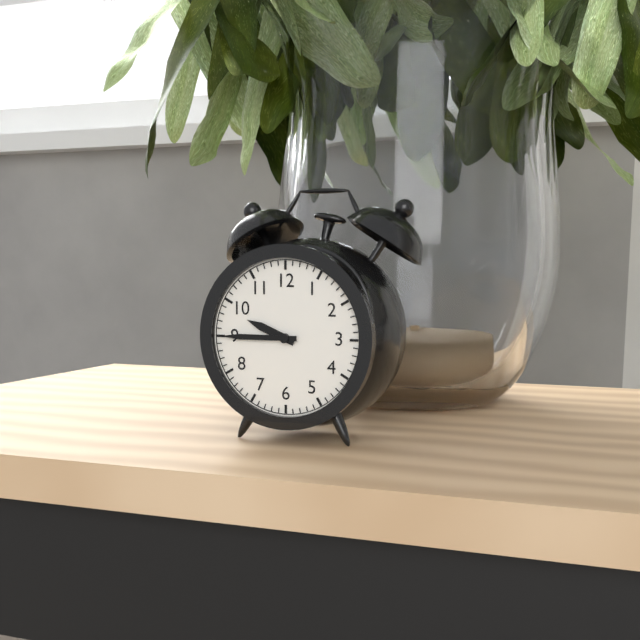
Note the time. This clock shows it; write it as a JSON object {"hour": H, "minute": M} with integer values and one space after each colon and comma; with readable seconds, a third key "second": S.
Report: {"hour": 9, "minute": 45}
